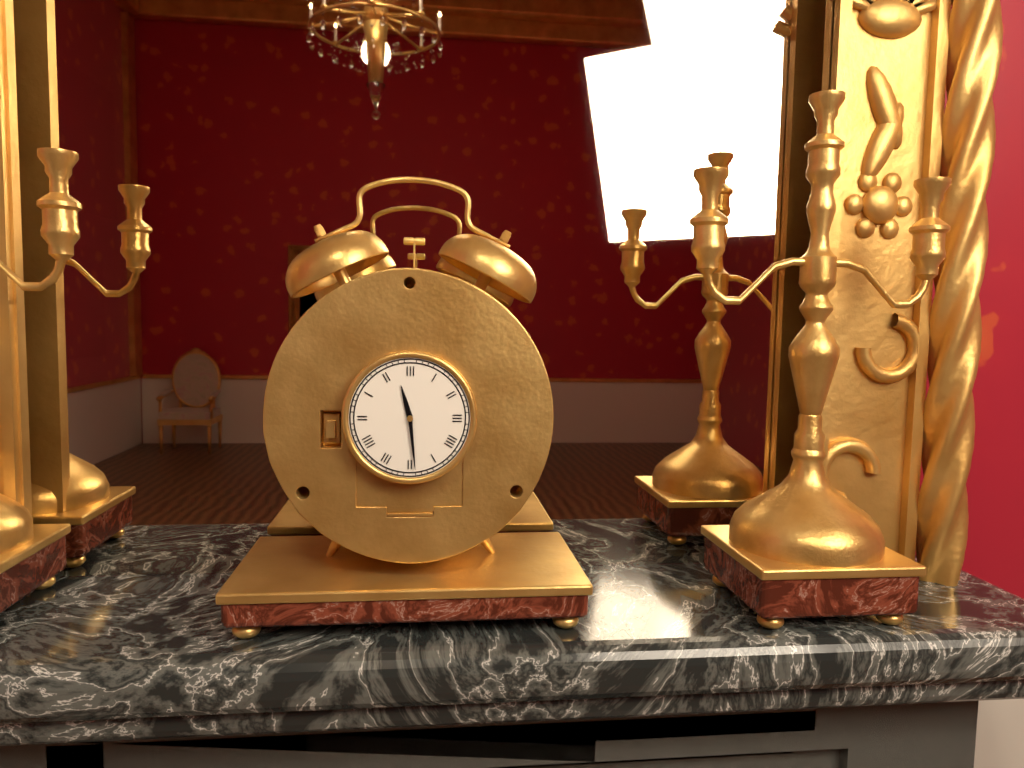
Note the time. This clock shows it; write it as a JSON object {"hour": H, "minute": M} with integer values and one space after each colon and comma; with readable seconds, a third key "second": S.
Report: {"hour": 11, "minute": 29}
